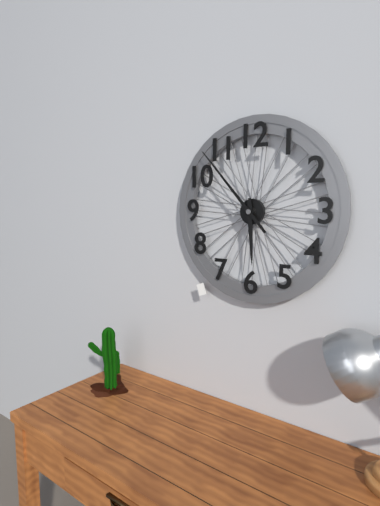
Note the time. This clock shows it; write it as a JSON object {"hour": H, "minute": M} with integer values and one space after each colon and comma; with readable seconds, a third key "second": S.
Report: {"hour": 5, "minute": 53}
